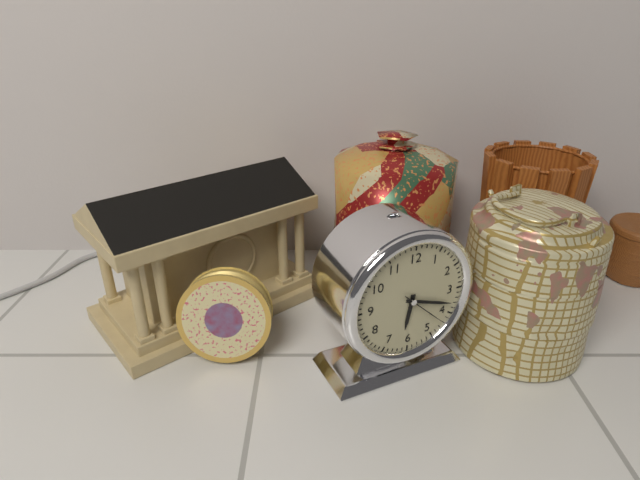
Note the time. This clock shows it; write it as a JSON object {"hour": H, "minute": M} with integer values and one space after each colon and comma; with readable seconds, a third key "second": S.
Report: {"hour": 6, "minute": 18}
